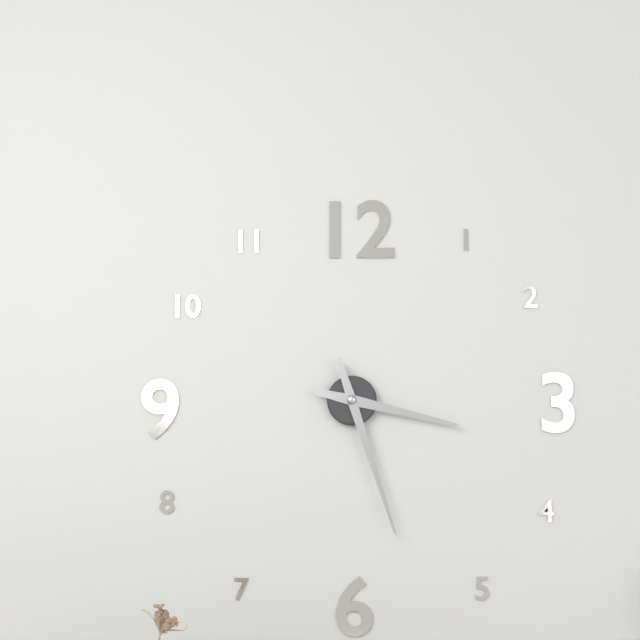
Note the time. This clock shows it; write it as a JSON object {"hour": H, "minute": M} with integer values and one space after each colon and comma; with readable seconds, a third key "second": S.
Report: {"hour": 3, "minute": 27}
